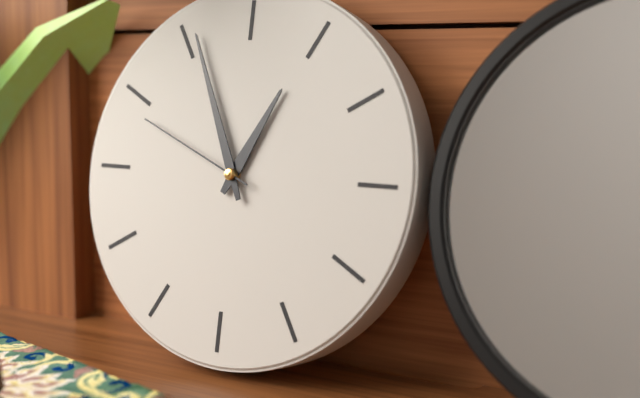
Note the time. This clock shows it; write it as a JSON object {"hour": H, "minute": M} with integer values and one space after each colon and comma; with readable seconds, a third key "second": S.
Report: {"hour": 12, "minute": 56, "second": 49}
